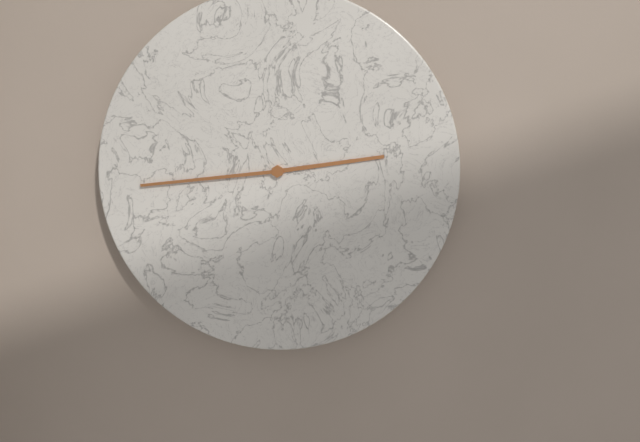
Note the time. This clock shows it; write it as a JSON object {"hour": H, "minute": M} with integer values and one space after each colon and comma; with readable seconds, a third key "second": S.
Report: {"hour": 2, "minute": 44}
